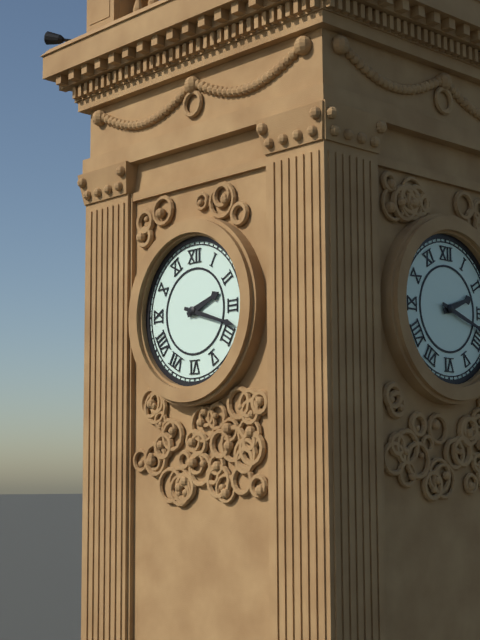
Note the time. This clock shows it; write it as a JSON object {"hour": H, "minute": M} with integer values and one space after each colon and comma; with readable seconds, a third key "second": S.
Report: {"hour": 2, "minute": 18}
